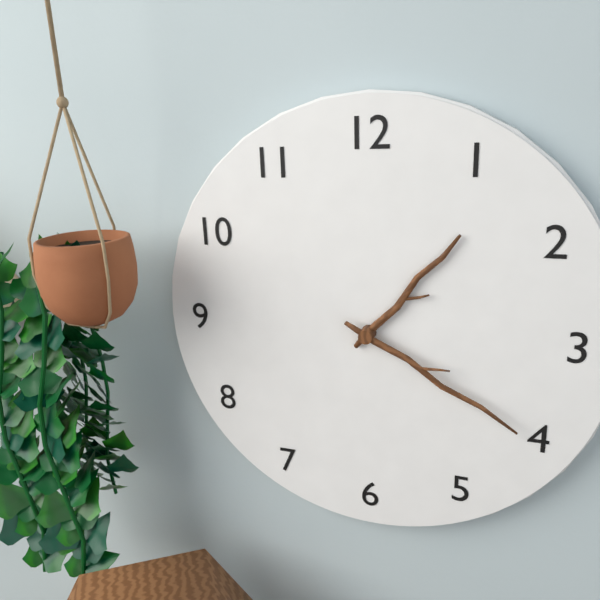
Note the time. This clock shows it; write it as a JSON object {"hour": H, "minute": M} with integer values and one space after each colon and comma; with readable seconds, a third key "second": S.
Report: {"hour": 1, "minute": 20}
